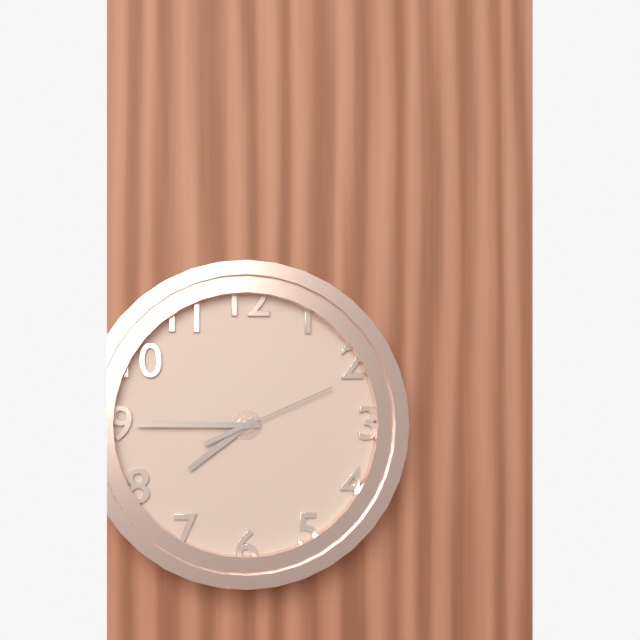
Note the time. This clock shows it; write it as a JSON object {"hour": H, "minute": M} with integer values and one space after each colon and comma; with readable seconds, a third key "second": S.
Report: {"hour": 7, "minute": 45, "second": 11}
